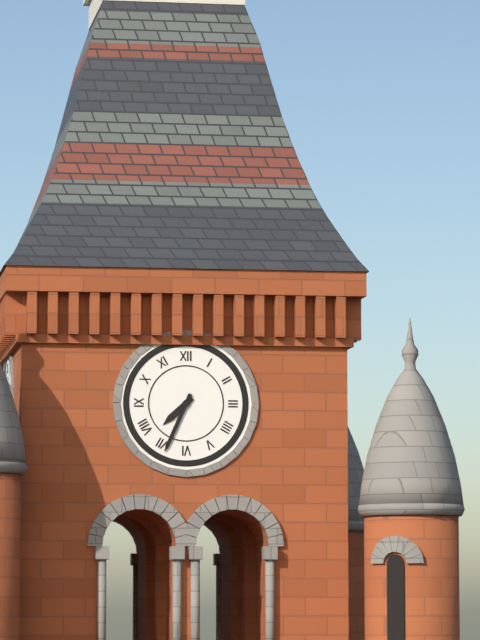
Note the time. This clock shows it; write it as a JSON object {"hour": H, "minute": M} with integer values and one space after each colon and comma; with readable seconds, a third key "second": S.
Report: {"hour": 7, "minute": 34}
